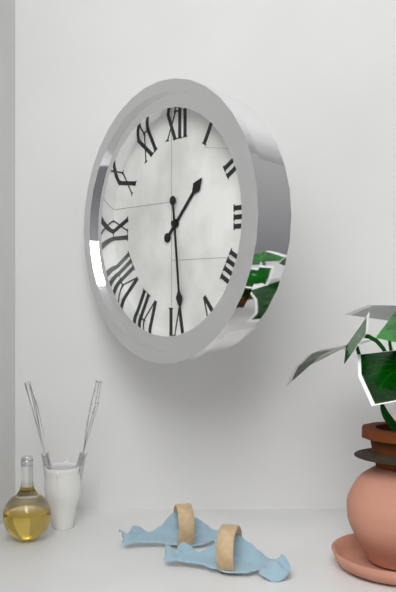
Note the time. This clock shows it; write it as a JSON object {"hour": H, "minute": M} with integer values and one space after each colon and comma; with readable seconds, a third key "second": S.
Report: {"hour": 1, "minute": 29}
